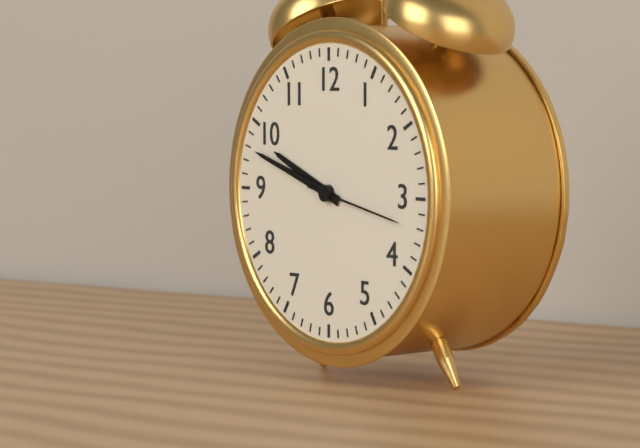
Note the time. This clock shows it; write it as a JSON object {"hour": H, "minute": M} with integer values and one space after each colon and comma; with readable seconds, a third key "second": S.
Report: {"hour": 9, "minute": 48, "second": 17}
